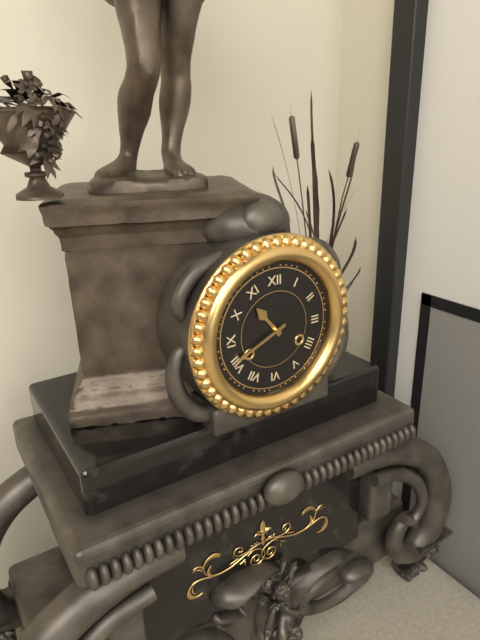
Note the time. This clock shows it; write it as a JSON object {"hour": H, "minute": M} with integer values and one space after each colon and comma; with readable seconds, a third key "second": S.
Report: {"hour": 10, "minute": 41}
